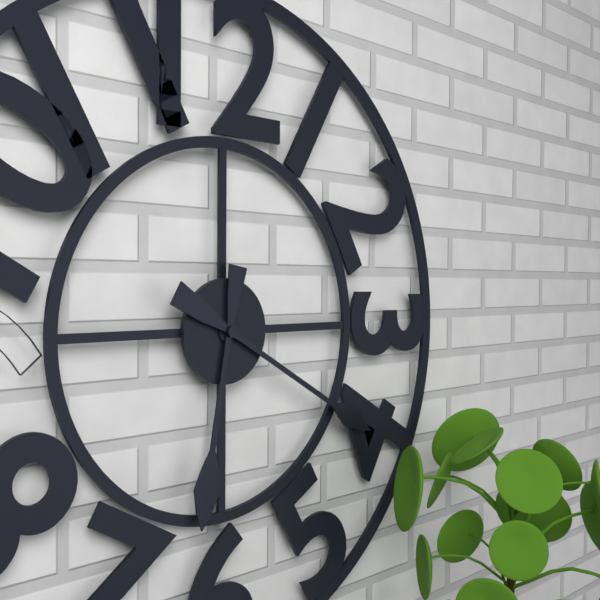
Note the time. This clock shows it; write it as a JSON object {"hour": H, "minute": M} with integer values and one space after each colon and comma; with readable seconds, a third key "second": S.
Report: {"hour": 6, "minute": 20}
